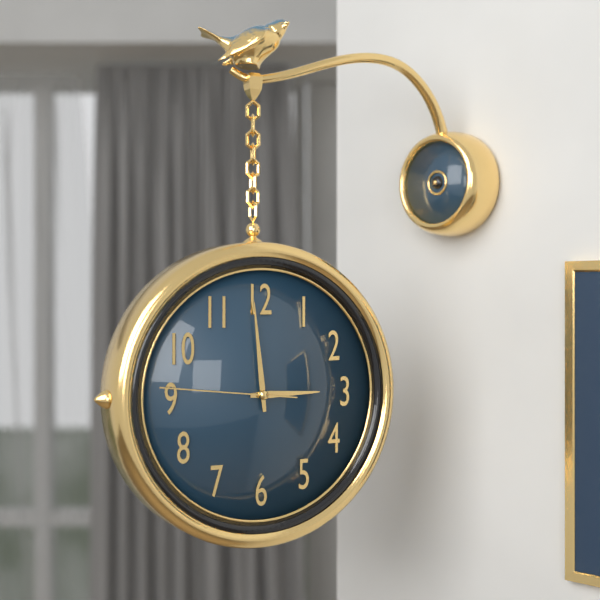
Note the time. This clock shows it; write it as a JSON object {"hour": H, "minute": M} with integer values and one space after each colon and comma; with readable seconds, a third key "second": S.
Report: {"hour": 2, "minute": 59, "second": 46}
